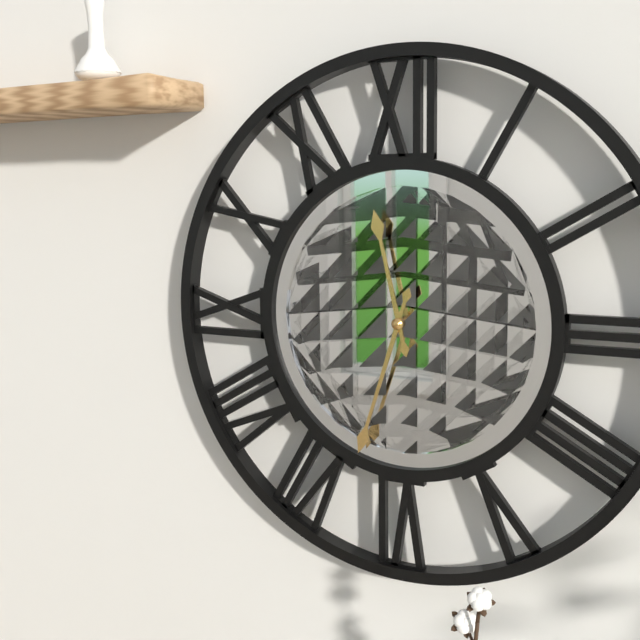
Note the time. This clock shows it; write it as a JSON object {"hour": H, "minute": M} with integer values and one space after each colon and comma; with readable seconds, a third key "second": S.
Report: {"hour": 11, "minute": 33}
